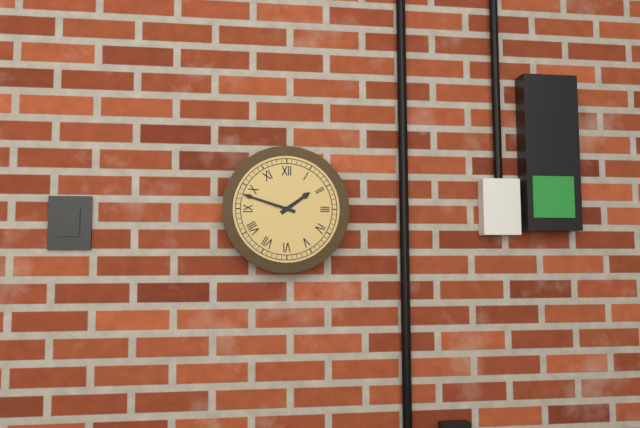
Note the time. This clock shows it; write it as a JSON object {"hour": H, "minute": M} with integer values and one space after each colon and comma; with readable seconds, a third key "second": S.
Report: {"hour": 1, "minute": 48}
